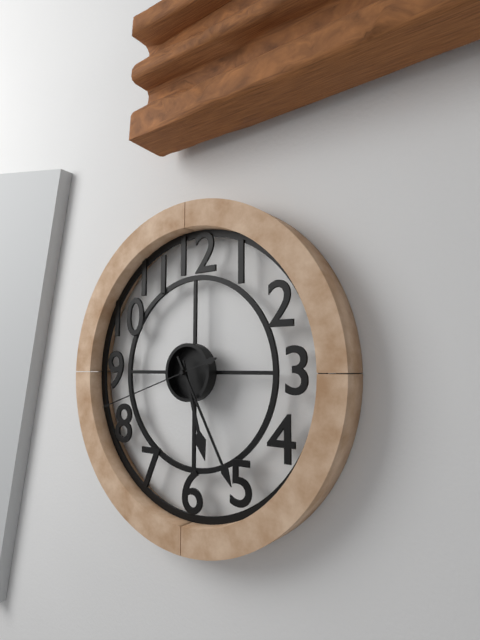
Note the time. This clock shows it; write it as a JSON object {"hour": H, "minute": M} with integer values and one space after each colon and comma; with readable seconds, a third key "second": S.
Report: {"hour": 5, "minute": 25, "second": 42}
